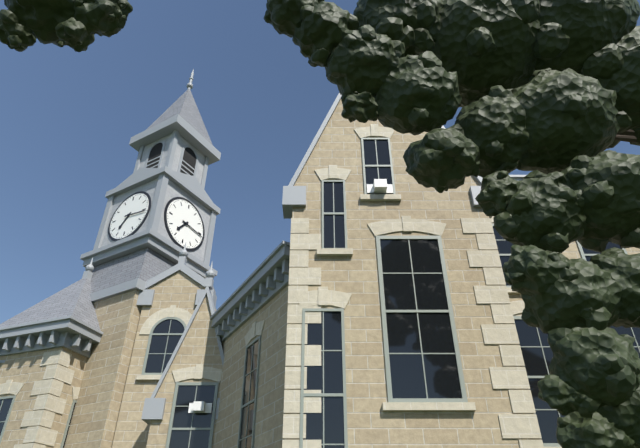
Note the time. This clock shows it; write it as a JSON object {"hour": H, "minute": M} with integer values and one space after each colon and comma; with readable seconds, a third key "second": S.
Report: {"hour": 7, "minute": 16}
